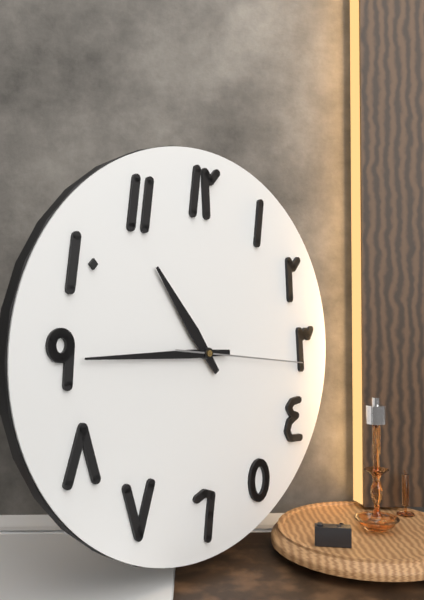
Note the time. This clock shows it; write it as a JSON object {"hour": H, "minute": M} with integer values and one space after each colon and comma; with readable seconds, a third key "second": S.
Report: {"hour": 10, "minute": 45, "second": 16}
